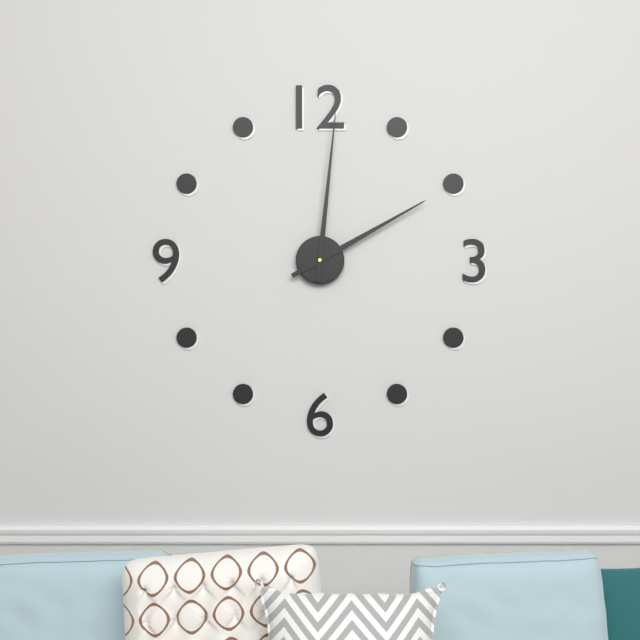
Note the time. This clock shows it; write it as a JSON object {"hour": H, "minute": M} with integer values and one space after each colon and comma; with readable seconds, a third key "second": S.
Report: {"hour": 2, "minute": 1}
